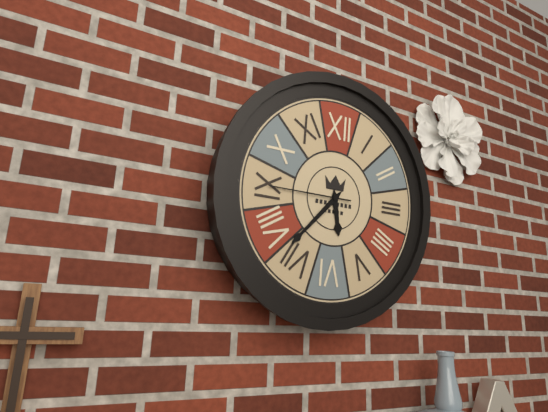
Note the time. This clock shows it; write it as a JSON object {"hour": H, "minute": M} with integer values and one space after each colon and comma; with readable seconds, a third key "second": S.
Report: {"hour": 5, "minute": 37, "second": 45}
